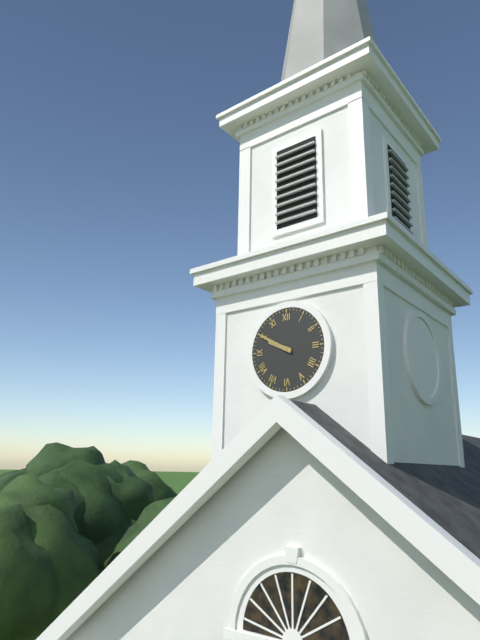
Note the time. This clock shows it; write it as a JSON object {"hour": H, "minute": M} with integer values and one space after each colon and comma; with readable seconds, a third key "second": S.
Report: {"hour": 9, "minute": 50}
